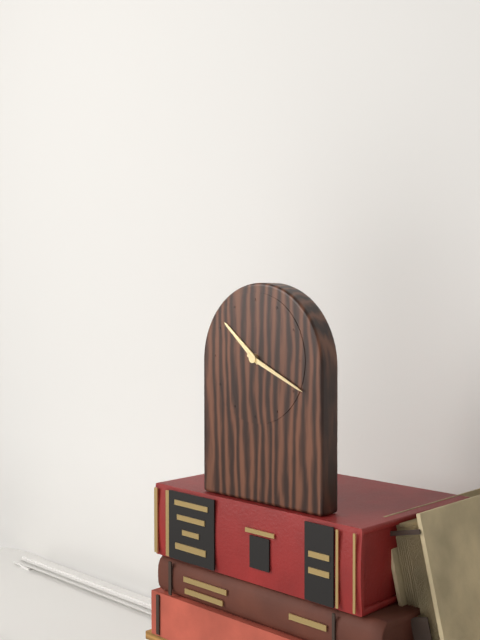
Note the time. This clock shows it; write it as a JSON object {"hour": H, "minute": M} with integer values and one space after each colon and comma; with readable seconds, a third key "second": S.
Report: {"hour": 10, "minute": 19}
